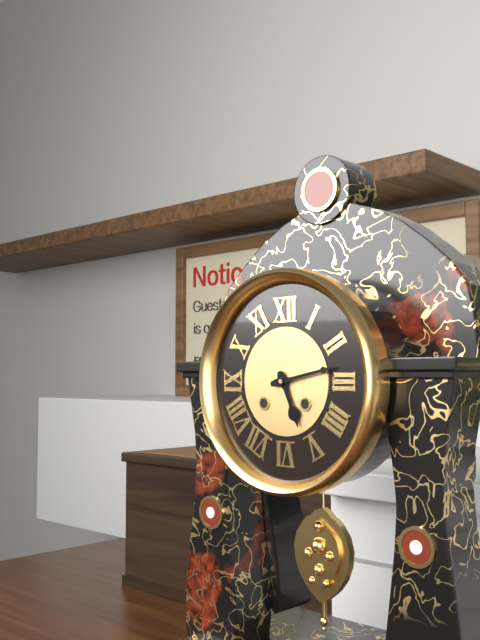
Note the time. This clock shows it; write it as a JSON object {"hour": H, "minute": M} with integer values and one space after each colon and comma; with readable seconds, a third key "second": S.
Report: {"hour": 5, "minute": 13}
